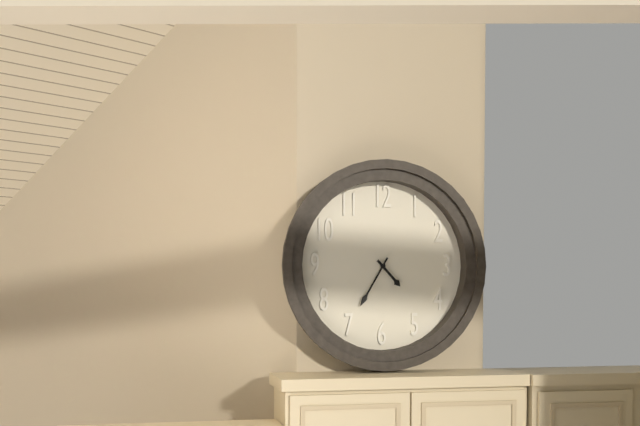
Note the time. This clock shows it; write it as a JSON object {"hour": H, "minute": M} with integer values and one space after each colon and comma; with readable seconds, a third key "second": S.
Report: {"hour": 4, "minute": 35}
